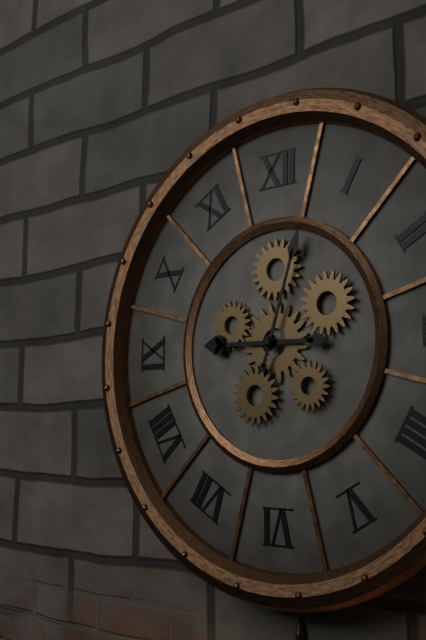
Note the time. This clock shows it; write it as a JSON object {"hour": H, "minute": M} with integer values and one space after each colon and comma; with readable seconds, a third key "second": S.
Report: {"hour": 9, "minute": 3}
